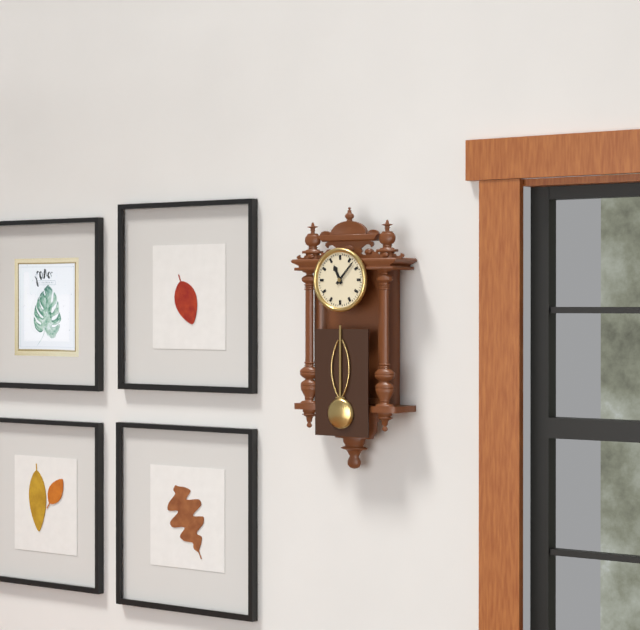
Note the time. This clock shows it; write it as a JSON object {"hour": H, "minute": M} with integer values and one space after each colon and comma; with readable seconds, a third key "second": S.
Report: {"hour": 11, "minute": 7}
